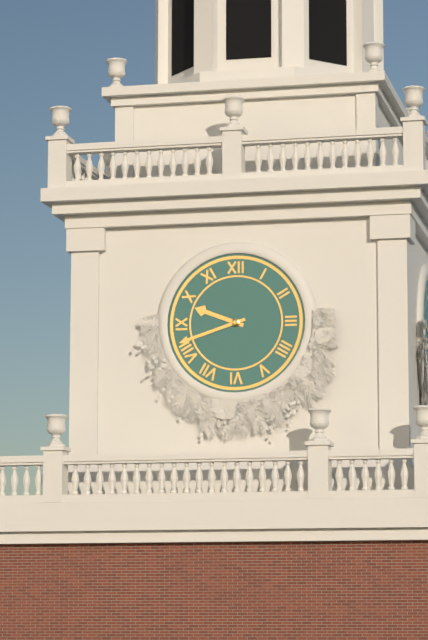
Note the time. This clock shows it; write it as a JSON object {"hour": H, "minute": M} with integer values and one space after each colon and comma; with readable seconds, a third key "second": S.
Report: {"hour": 9, "minute": 42}
